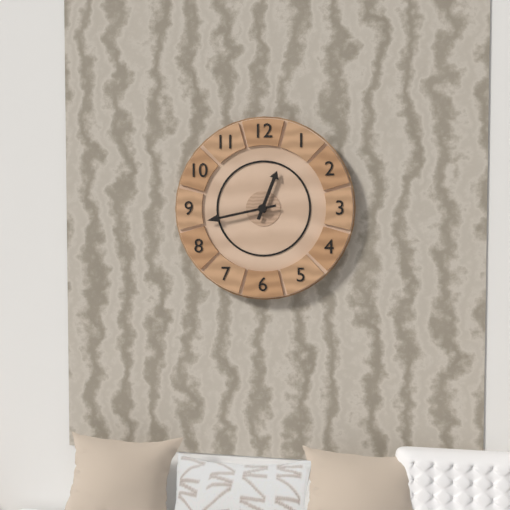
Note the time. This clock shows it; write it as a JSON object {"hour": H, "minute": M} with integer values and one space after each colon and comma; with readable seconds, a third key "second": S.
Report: {"hour": 12, "minute": 43}
